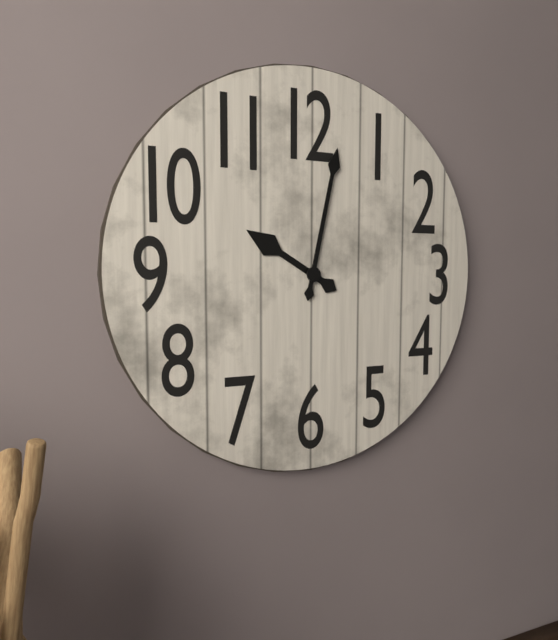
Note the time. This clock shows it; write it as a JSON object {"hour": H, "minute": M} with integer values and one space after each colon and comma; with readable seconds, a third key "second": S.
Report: {"hour": 10, "minute": 2}
